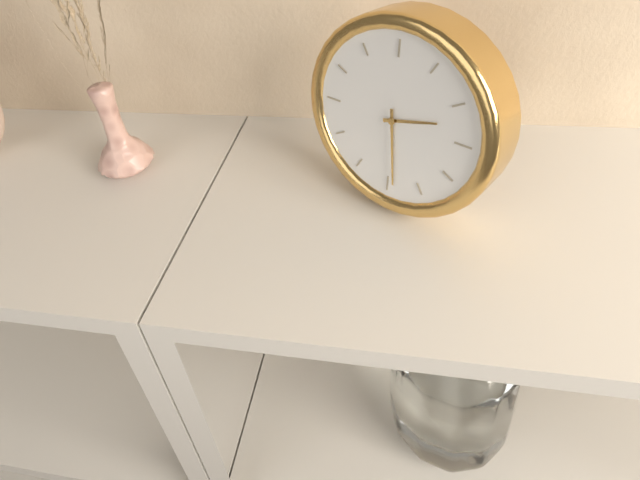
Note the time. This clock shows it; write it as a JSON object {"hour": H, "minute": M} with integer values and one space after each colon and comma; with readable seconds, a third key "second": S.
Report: {"hour": 2, "minute": 29}
